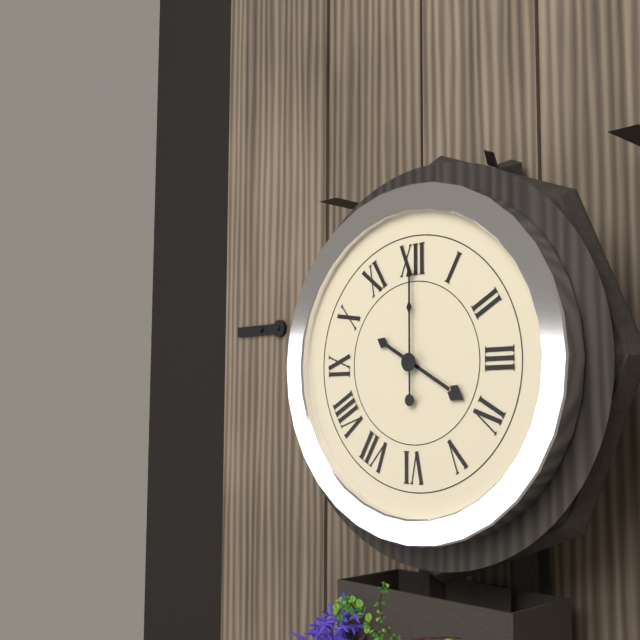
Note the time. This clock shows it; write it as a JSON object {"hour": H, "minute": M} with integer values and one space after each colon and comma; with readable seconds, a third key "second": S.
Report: {"hour": 4, "minute": 0}
